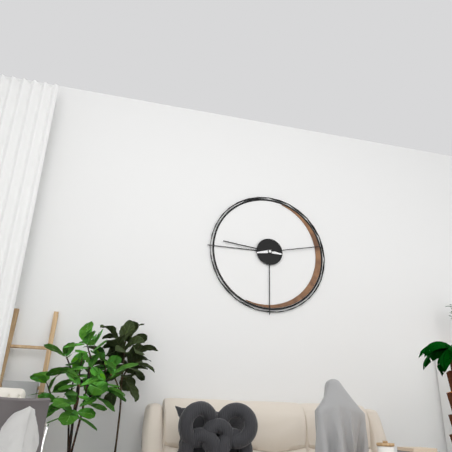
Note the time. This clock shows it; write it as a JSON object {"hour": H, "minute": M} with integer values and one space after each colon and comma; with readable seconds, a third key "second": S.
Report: {"hour": 9, "minute": 13}
